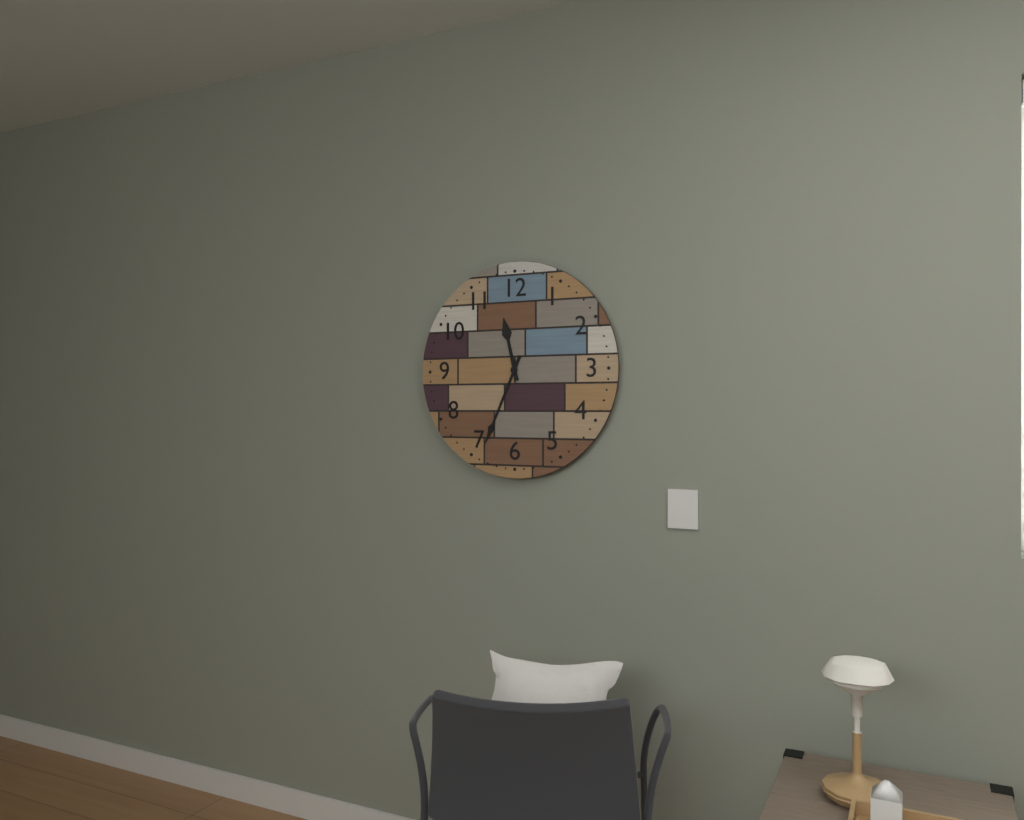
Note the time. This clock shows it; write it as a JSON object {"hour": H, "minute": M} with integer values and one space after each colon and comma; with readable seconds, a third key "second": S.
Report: {"hour": 11, "minute": 34}
